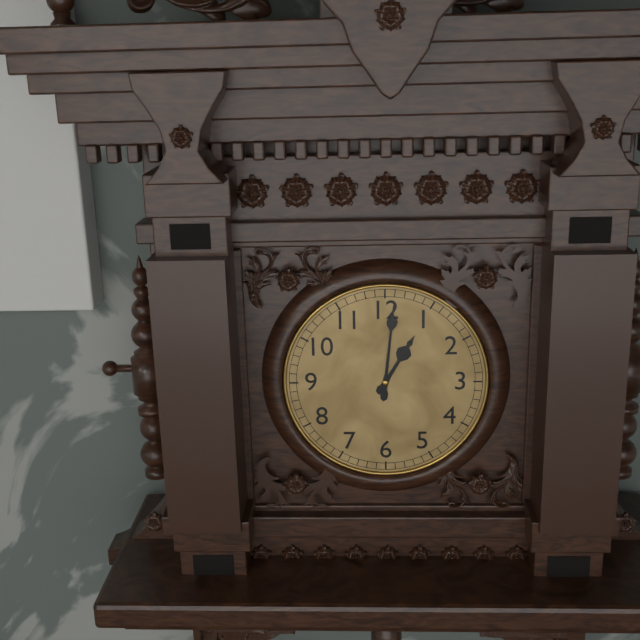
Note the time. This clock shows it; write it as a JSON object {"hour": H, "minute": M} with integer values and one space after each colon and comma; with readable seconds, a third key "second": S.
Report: {"hour": 1, "minute": 1}
